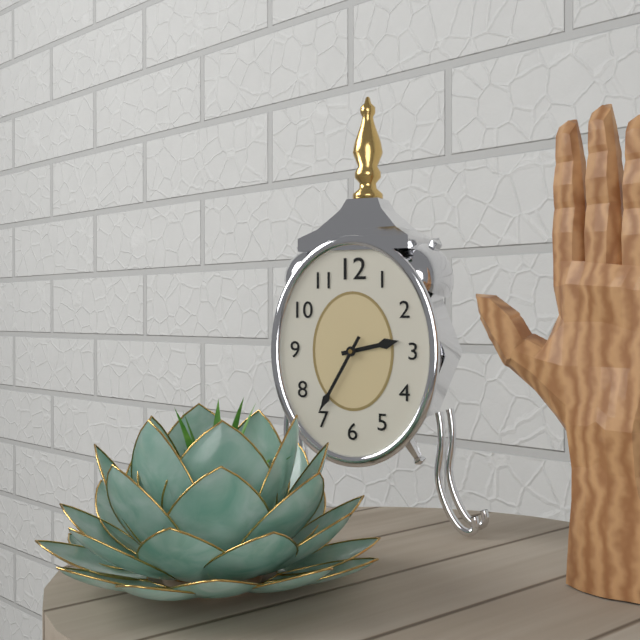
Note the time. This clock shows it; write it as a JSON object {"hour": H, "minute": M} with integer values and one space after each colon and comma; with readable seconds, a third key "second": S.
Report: {"hour": 2, "minute": 35}
